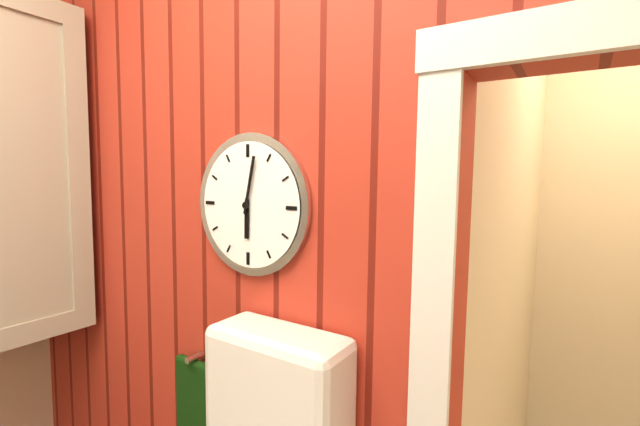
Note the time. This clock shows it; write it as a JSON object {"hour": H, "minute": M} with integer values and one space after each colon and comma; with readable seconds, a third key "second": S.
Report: {"hour": 6, "minute": 2}
